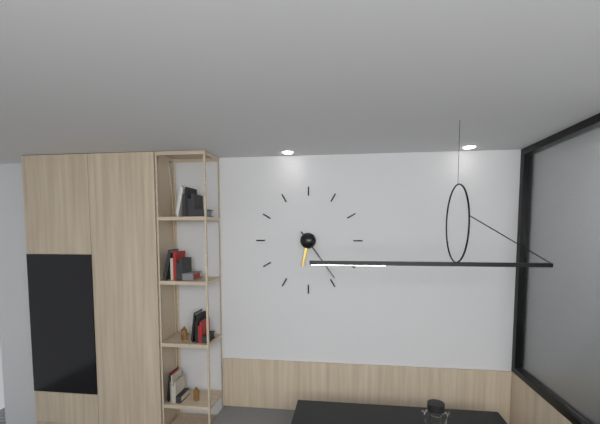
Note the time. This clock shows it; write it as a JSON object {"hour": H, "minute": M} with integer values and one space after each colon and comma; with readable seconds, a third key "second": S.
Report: {"hour": 6, "minute": 24}
